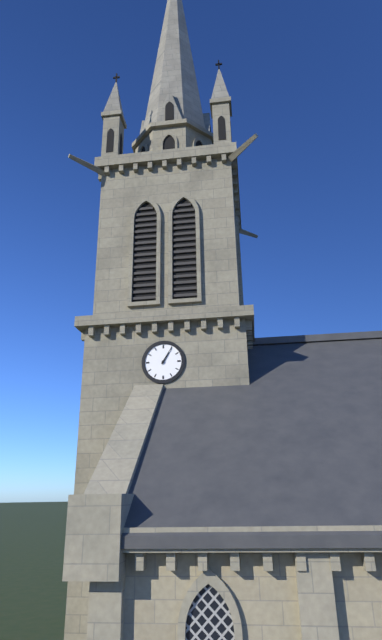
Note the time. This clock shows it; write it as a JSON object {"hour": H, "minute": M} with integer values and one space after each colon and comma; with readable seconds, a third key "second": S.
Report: {"hour": 1, "minute": 5}
